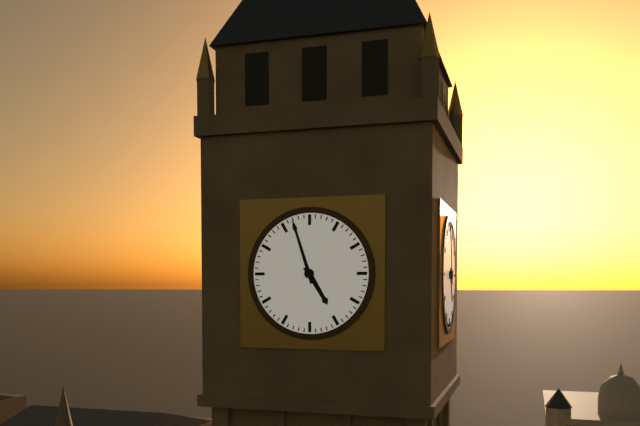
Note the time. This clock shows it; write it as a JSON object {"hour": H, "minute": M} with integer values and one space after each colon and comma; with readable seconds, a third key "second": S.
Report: {"hour": 4, "minute": 57}
